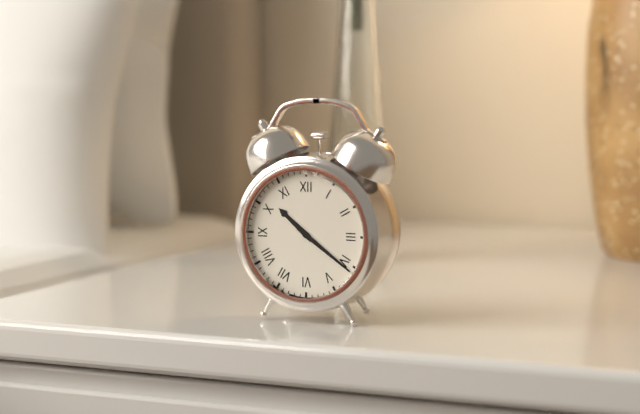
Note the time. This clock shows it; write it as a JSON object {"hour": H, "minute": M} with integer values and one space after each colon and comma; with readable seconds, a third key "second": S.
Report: {"hour": 10, "minute": 21}
